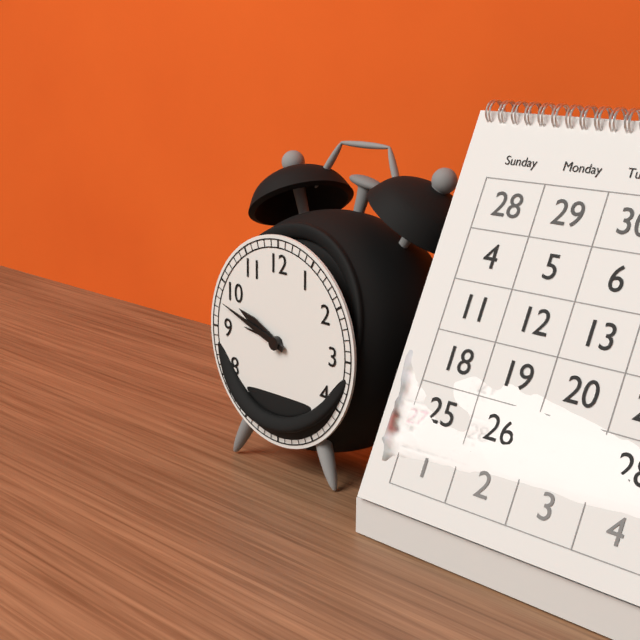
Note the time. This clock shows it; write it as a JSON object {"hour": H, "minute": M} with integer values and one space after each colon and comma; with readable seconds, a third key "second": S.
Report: {"hour": 9, "minute": 48}
